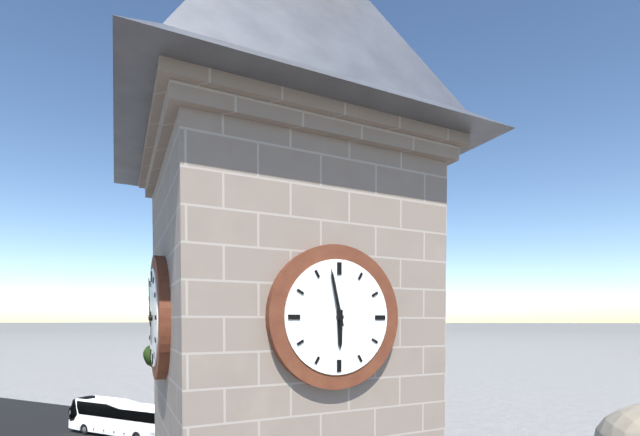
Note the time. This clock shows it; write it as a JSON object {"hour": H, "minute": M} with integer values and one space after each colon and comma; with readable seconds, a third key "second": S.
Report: {"hour": 5, "minute": 58}
